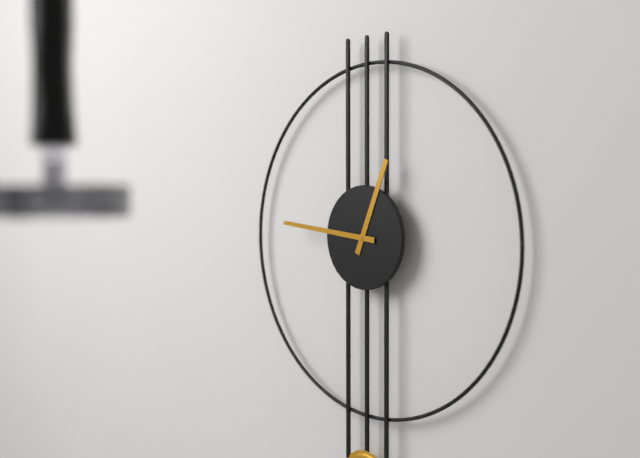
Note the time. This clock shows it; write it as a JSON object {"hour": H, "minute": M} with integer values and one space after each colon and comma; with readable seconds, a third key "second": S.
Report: {"hour": 12, "minute": 46}
